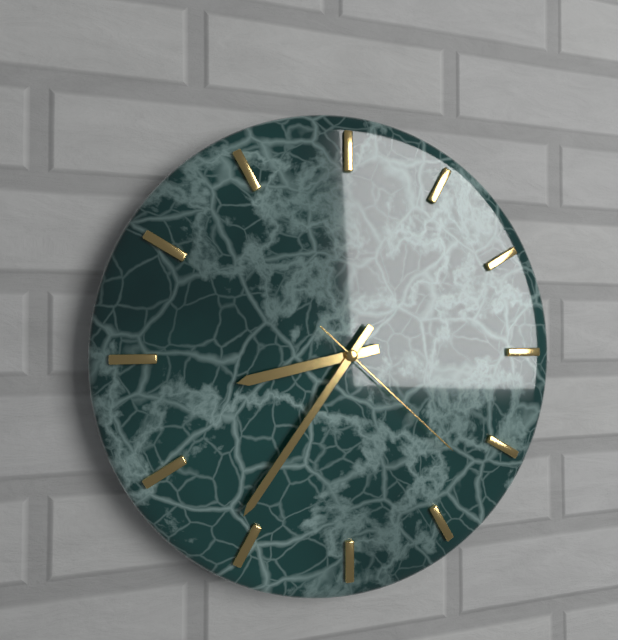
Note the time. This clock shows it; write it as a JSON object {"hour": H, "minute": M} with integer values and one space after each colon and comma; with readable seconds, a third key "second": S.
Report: {"hour": 8, "minute": 36, "second": 22}
